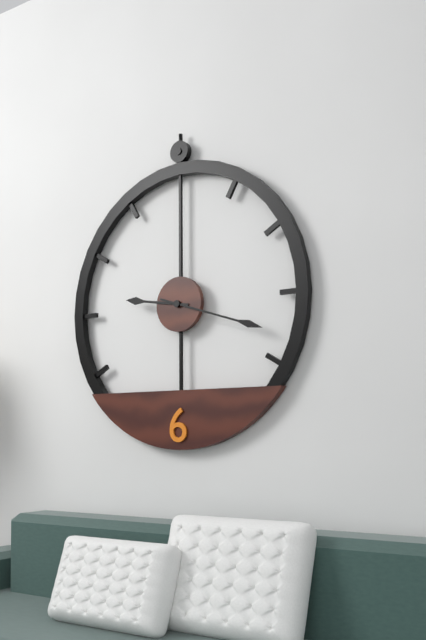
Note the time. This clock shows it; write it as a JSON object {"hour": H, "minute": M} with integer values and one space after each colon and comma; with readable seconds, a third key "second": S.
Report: {"hour": 9, "minute": 18}
